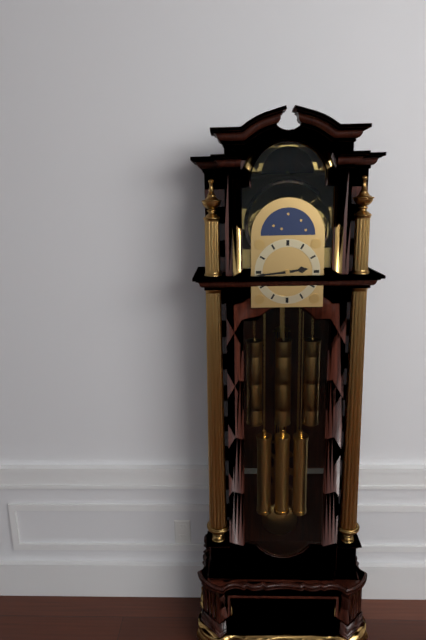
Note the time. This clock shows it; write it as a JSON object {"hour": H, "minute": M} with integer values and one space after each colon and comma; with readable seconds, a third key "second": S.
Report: {"hour": 2, "minute": 44}
